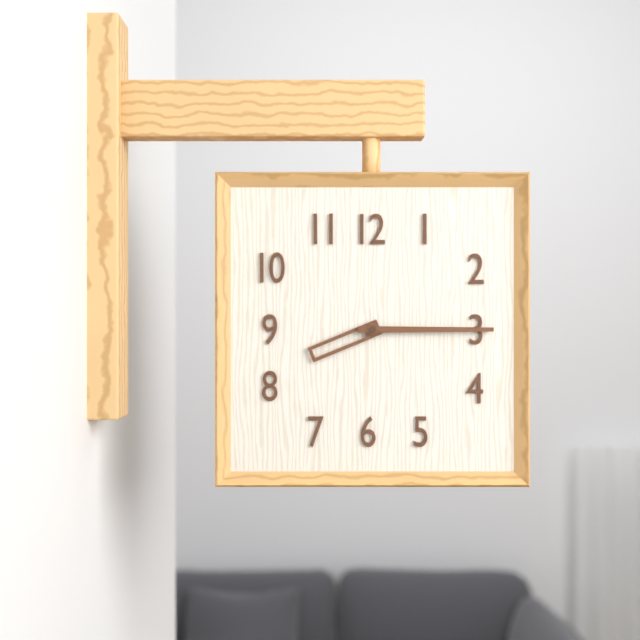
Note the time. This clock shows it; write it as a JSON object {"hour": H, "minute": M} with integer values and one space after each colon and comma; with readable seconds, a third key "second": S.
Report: {"hour": 8, "minute": 15}
